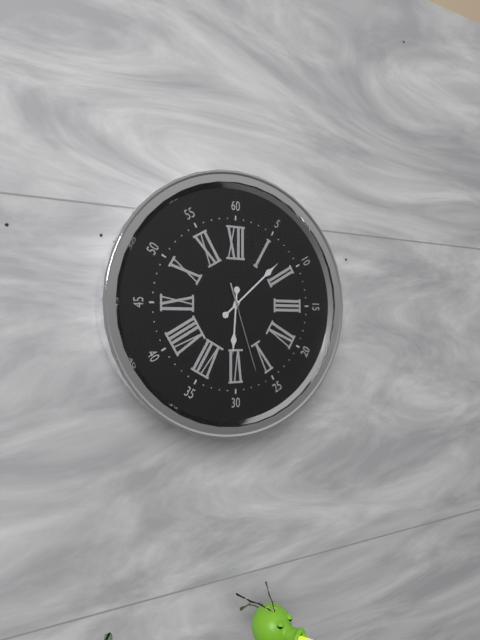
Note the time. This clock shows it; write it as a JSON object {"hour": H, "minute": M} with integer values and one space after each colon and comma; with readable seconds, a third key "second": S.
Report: {"hour": 6, "minute": 8, "second": 27}
